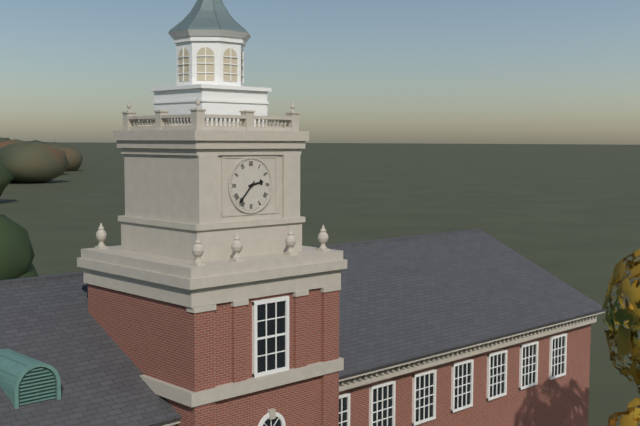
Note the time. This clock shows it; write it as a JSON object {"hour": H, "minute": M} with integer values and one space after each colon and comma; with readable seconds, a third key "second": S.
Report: {"hour": 2, "minute": 37}
